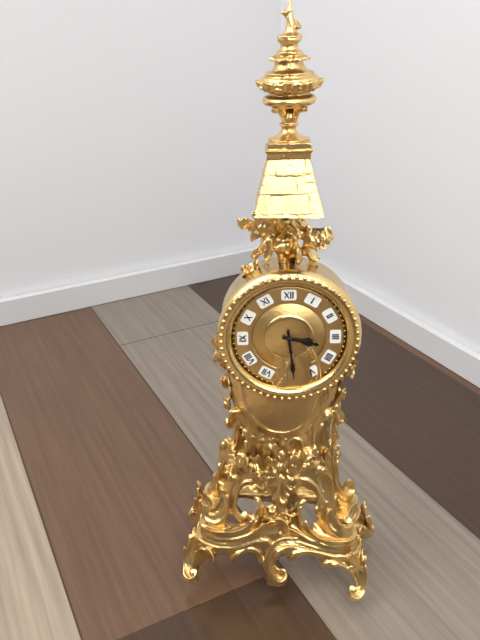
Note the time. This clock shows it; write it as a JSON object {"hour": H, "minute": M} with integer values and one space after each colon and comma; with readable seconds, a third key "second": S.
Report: {"hour": 3, "minute": 29}
